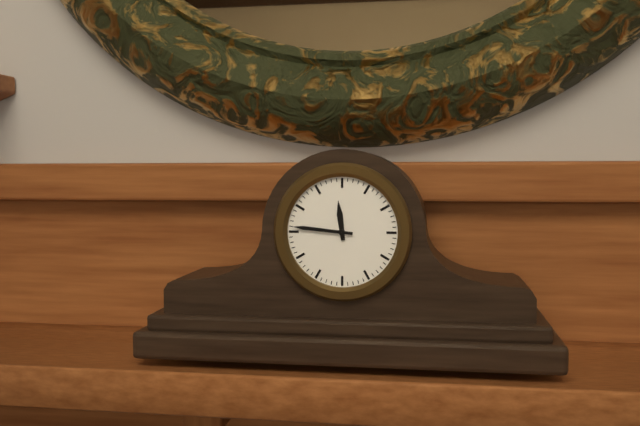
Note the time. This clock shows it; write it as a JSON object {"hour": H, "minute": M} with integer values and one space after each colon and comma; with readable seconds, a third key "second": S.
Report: {"hour": 11, "minute": 46}
